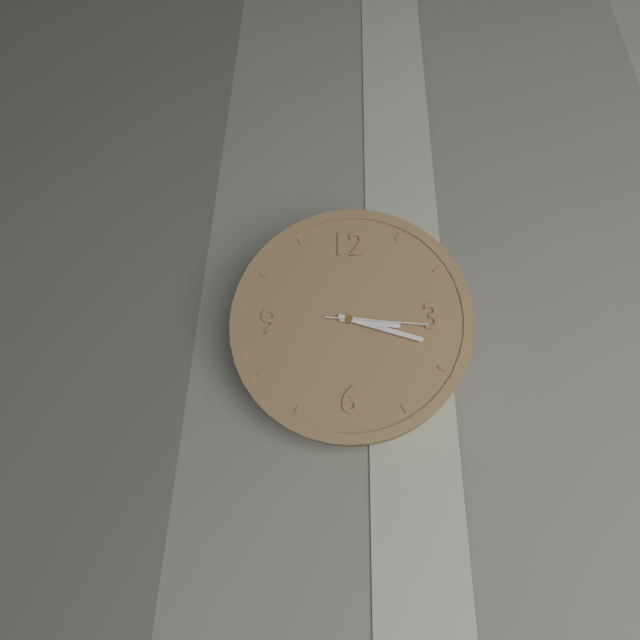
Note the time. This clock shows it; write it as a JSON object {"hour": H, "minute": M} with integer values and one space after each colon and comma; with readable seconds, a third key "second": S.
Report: {"hour": 3, "minute": 18, "second": 16}
